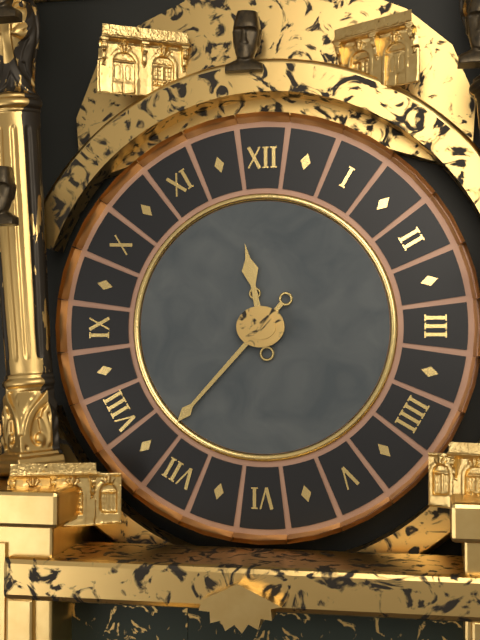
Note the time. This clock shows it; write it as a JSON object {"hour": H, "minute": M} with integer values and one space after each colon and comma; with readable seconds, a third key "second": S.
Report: {"hour": 11, "minute": 37}
